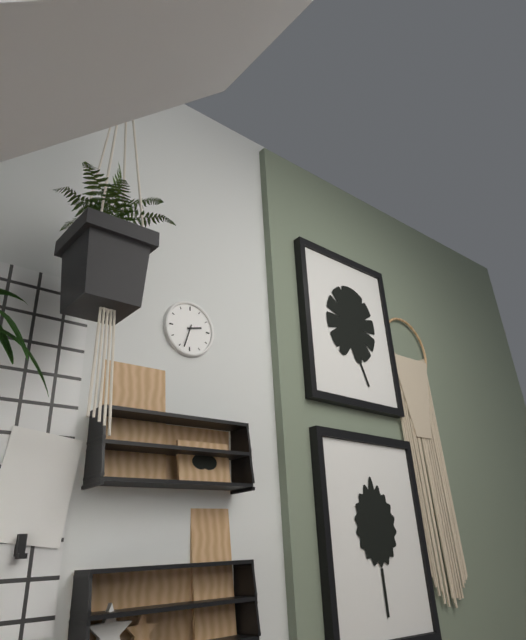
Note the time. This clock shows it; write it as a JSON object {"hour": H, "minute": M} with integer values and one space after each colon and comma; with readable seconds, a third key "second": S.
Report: {"hour": 2, "minute": 33}
